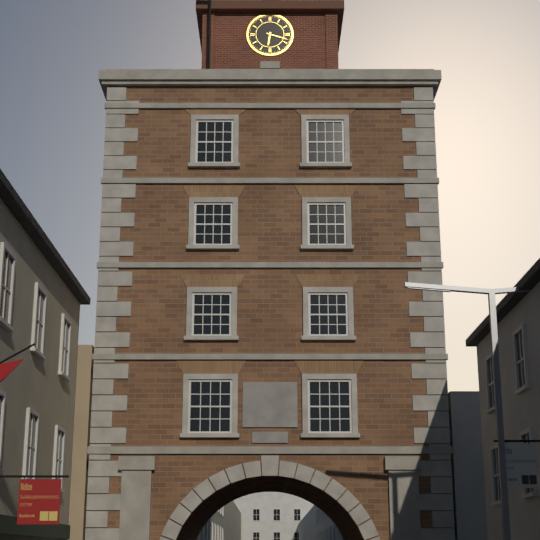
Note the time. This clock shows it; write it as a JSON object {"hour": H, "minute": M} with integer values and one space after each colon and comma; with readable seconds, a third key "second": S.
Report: {"hour": 6, "minute": 18}
